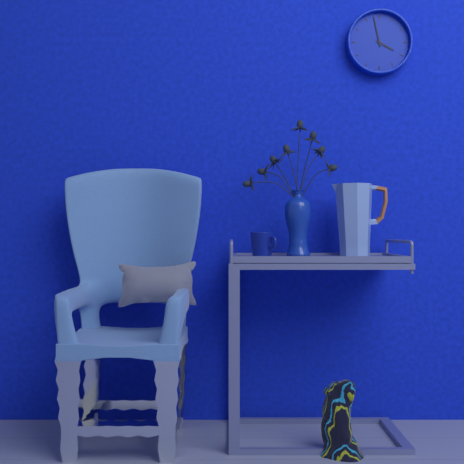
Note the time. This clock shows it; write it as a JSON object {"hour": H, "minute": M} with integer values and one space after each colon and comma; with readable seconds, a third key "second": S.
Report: {"hour": 3, "minute": 58}
